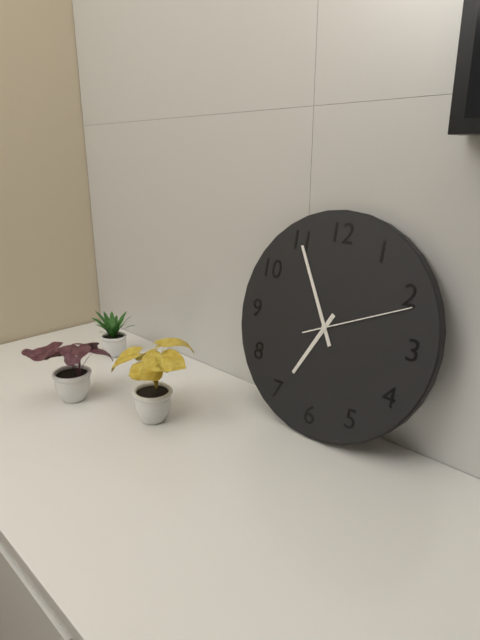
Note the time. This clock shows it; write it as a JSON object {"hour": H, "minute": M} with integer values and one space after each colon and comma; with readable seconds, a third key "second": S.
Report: {"hour": 6, "minute": 55, "second": 11}
